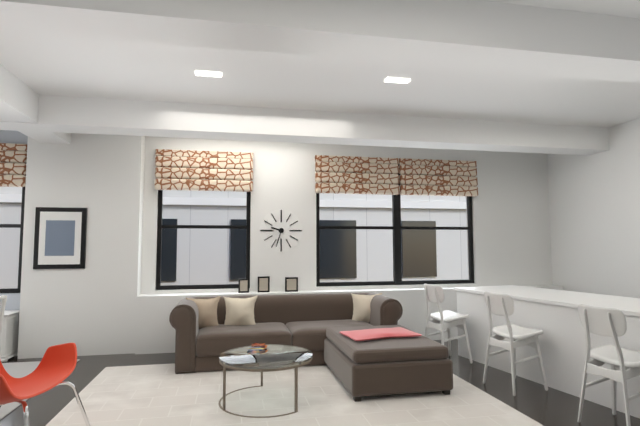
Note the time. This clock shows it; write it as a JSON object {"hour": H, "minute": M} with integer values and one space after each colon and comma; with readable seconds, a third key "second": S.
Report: {"hour": 9, "minute": 33}
